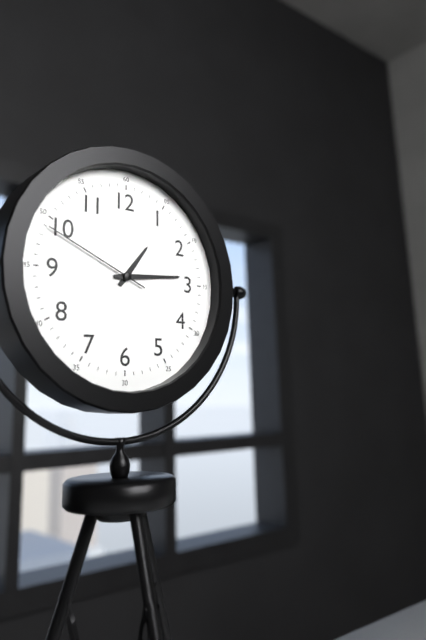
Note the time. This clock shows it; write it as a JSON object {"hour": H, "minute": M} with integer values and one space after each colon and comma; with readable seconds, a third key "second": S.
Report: {"hour": 1, "minute": 14, "second": 49}
